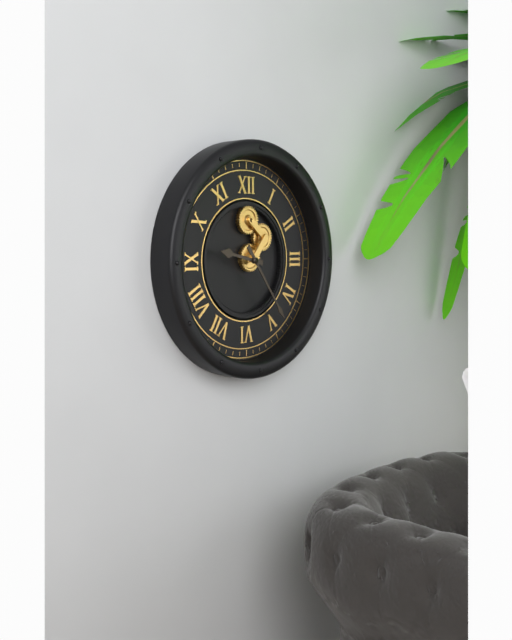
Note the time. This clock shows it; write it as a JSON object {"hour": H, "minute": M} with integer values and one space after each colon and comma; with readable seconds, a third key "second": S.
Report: {"hour": 9, "minute": 24}
